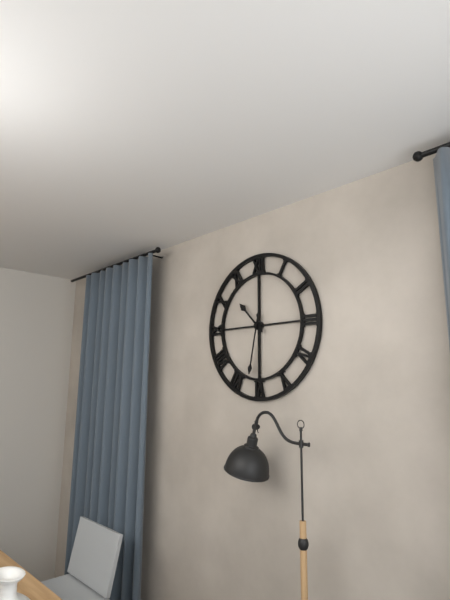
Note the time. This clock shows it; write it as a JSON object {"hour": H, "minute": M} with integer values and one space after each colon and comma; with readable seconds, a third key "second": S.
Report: {"hour": 10, "minute": 32}
